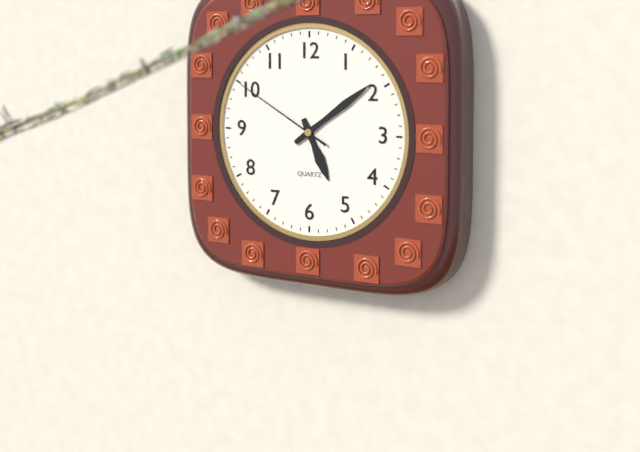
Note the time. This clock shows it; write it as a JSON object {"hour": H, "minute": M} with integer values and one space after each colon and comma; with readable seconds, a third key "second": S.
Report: {"hour": 5, "minute": 9, "second": 50}
